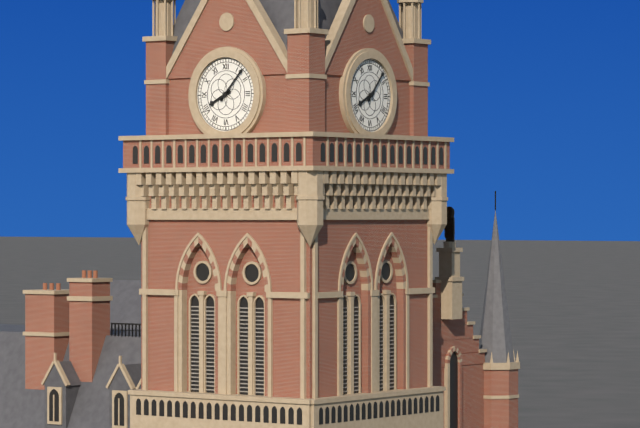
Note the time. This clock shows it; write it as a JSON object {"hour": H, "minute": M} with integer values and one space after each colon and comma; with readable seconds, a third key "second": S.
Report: {"hour": 8, "minute": 7}
